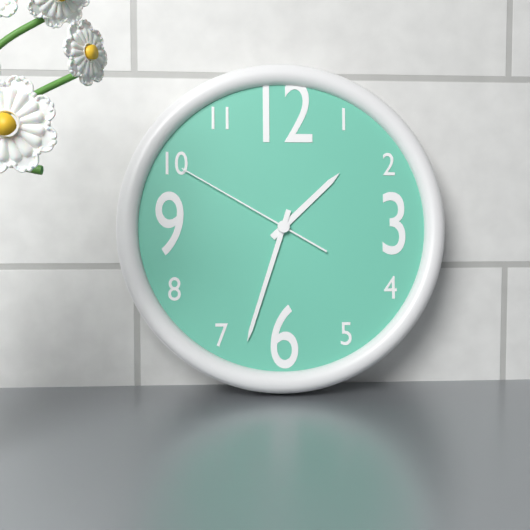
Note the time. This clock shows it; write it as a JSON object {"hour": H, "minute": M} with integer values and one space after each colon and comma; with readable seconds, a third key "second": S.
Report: {"hour": 1, "minute": 33, "second": 50}
